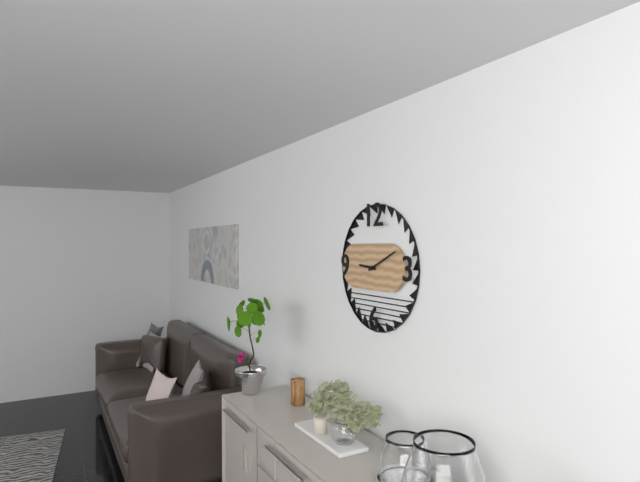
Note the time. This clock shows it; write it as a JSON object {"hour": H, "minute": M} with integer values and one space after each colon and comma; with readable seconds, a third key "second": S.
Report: {"hour": 9, "minute": 11}
